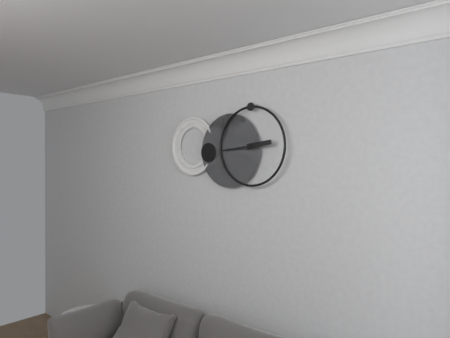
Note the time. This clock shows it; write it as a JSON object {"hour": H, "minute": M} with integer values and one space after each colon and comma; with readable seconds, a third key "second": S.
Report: {"hour": 2, "minute": 44}
